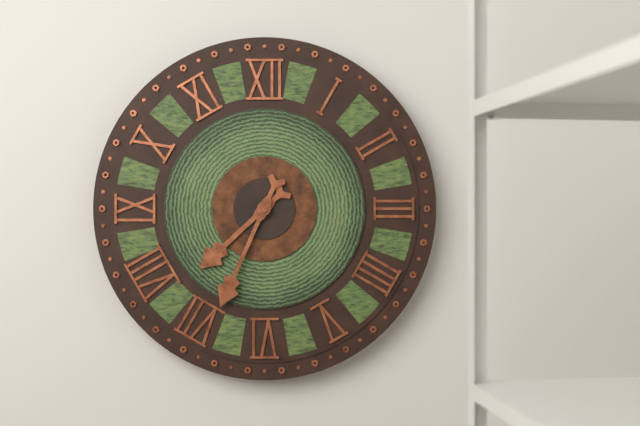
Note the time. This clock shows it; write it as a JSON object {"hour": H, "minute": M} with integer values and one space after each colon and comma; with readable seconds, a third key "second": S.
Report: {"hour": 7, "minute": 34}
